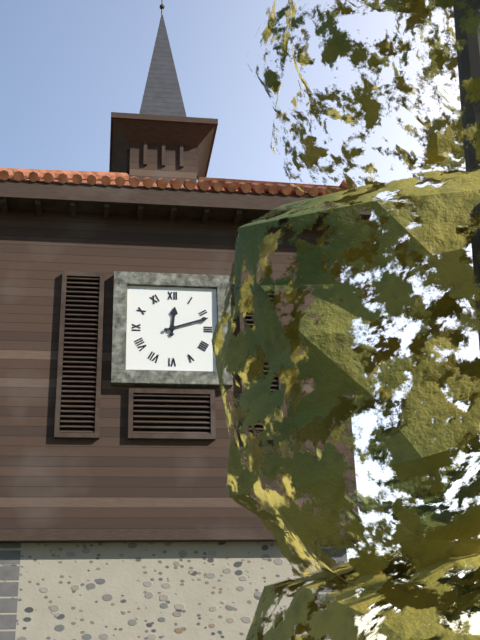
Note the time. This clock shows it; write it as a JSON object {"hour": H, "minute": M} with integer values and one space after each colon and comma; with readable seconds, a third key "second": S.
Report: {"hour": 12, "minute": 12}
